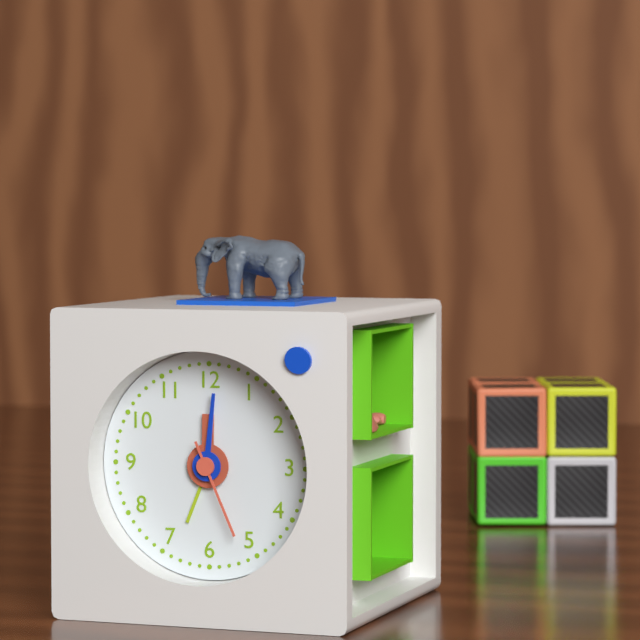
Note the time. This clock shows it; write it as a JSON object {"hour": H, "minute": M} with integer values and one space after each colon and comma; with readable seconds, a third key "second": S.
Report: {"hour": 12, "minute": 1, "second": 26}
